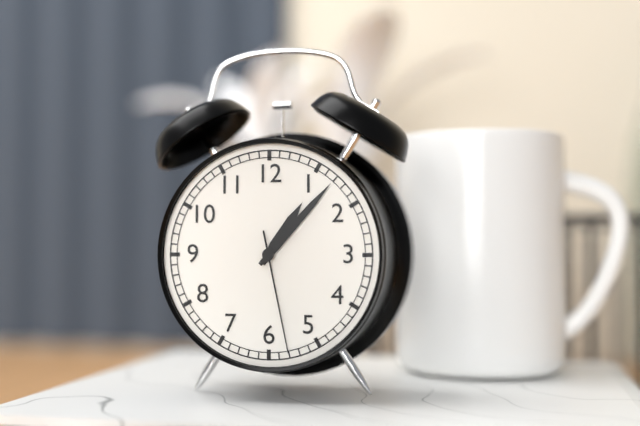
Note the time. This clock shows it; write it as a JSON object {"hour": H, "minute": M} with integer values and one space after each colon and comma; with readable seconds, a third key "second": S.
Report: {"hour": 1, "minute": 7, "second": 28}
